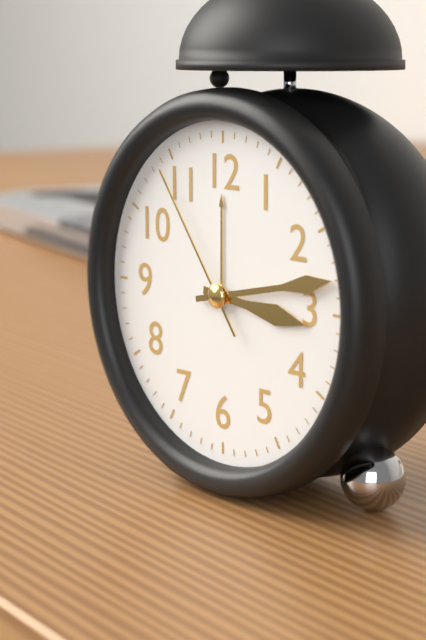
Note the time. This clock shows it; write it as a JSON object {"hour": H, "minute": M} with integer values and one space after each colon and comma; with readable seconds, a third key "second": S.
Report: {"hour": 3, "minute": 13, "second": 54}
